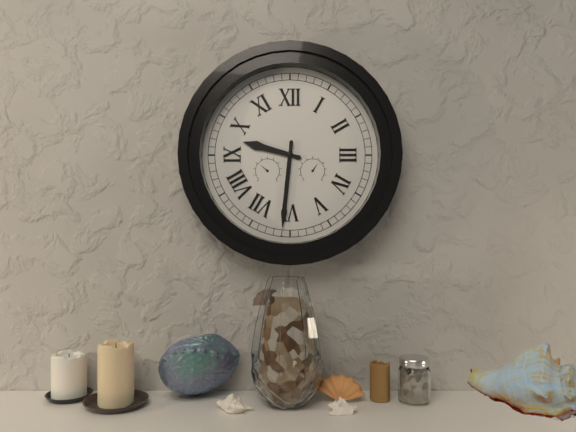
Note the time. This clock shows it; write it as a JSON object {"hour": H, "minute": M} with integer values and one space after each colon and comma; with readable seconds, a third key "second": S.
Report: {"hour": 9, "minute": 31}
